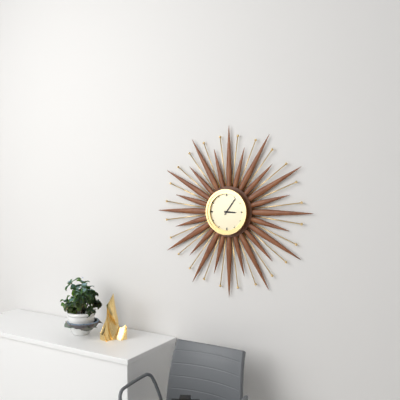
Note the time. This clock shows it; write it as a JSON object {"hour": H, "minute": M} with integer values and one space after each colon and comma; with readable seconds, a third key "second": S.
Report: {"hour": 3, "minute": 6}
